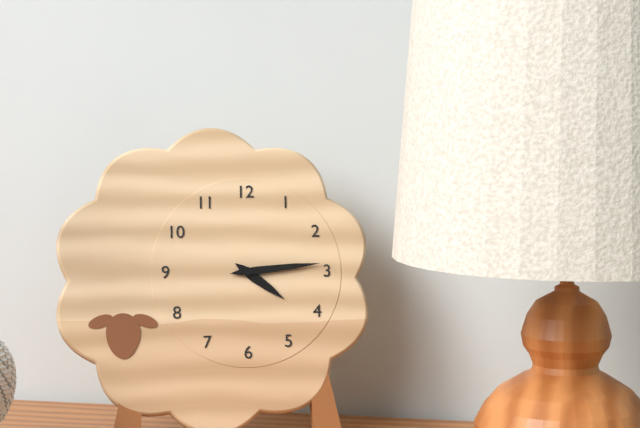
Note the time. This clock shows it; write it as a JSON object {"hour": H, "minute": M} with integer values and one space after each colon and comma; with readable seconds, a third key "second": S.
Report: {"hour": 4, "minute": 14}
